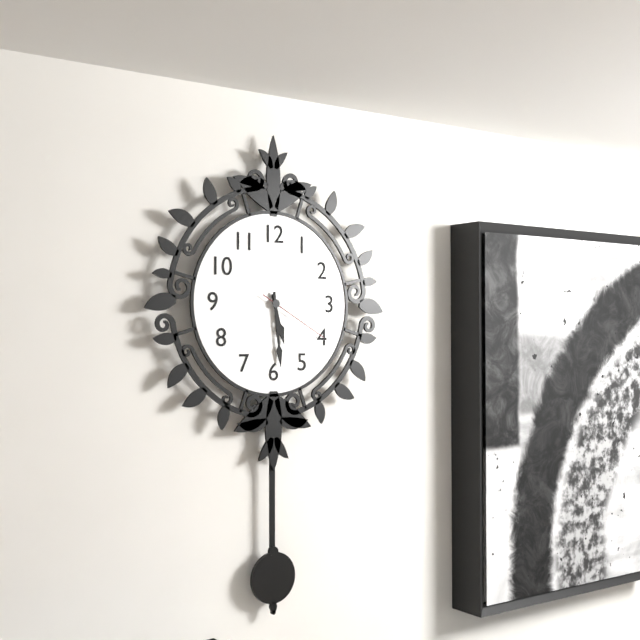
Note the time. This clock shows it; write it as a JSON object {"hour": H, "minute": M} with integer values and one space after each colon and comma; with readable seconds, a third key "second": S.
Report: {"hour": 5, "minute": 29, "second": 20}
